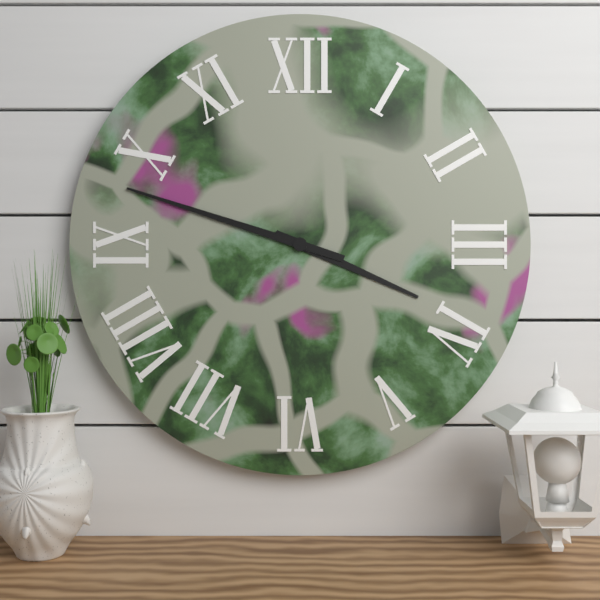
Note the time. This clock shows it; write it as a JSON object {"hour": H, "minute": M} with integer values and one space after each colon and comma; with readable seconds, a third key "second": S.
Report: {"hour": 3, "minute": 48}
